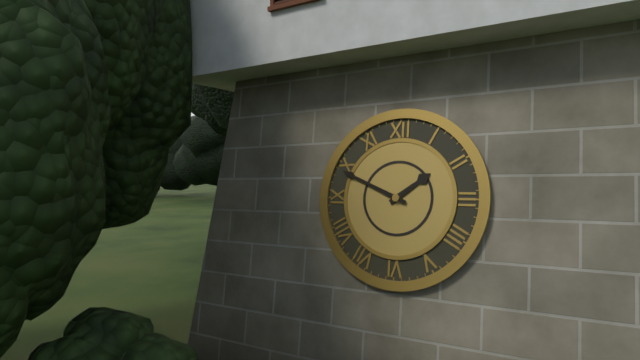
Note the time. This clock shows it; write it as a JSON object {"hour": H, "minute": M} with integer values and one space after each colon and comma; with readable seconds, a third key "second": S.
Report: {"hour": 1, "minute": 49}
